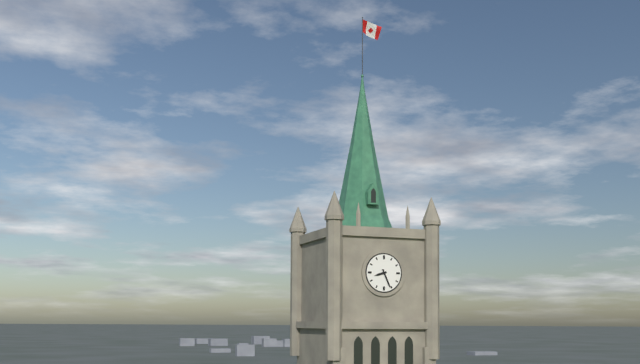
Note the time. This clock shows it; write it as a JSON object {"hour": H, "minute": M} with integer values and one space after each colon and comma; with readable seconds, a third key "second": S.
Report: {"hour": 8, "minute": 26}
